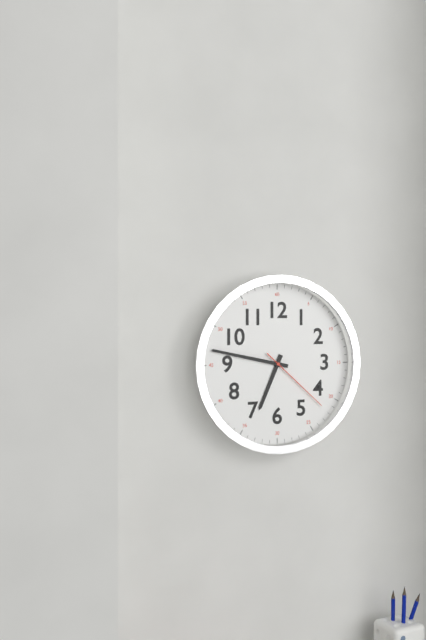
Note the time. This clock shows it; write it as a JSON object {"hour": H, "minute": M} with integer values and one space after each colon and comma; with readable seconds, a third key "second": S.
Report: {"hour": 6, "minute": 47, "second": 22}
